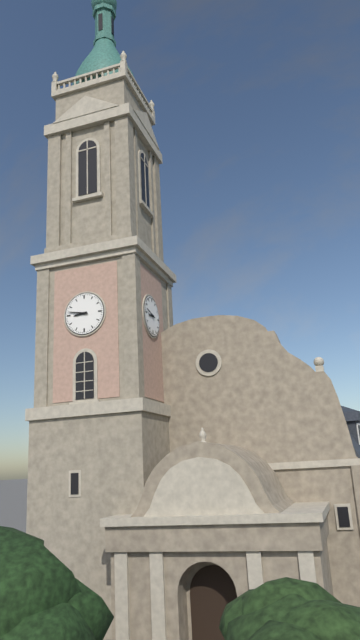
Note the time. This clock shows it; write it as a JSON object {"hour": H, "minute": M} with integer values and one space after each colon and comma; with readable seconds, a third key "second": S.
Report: {"hour": 8, "minute": 47}
